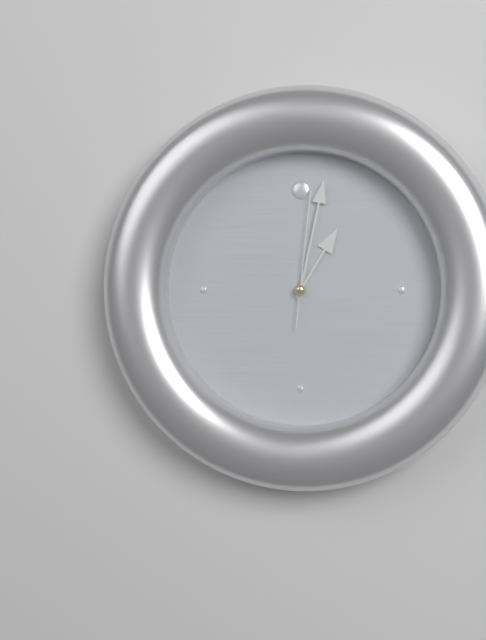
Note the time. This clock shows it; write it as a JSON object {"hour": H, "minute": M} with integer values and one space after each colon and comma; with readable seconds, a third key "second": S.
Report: {"hour": 1, "minute": 2, "second": 1}
